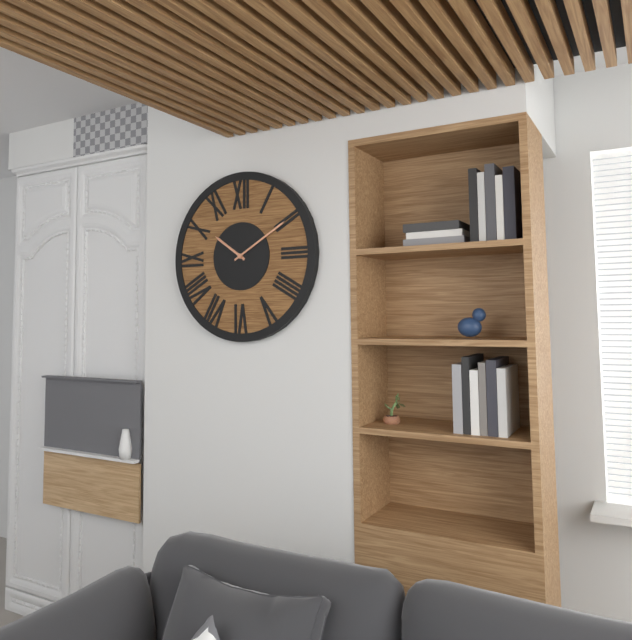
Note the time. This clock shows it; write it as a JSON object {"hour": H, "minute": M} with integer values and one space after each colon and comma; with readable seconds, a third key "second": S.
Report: {"hour": 10, "minute": 10}
